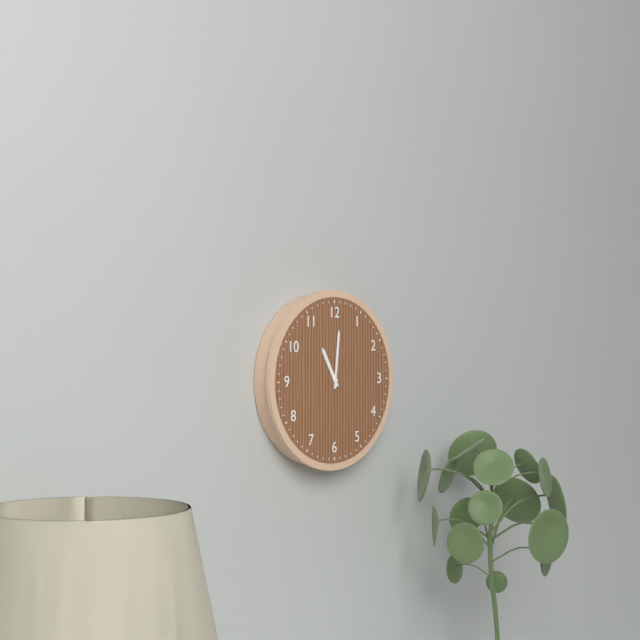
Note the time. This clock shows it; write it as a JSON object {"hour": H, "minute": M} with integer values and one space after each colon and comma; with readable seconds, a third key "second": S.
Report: {"hour": 11, "minute": 1}
